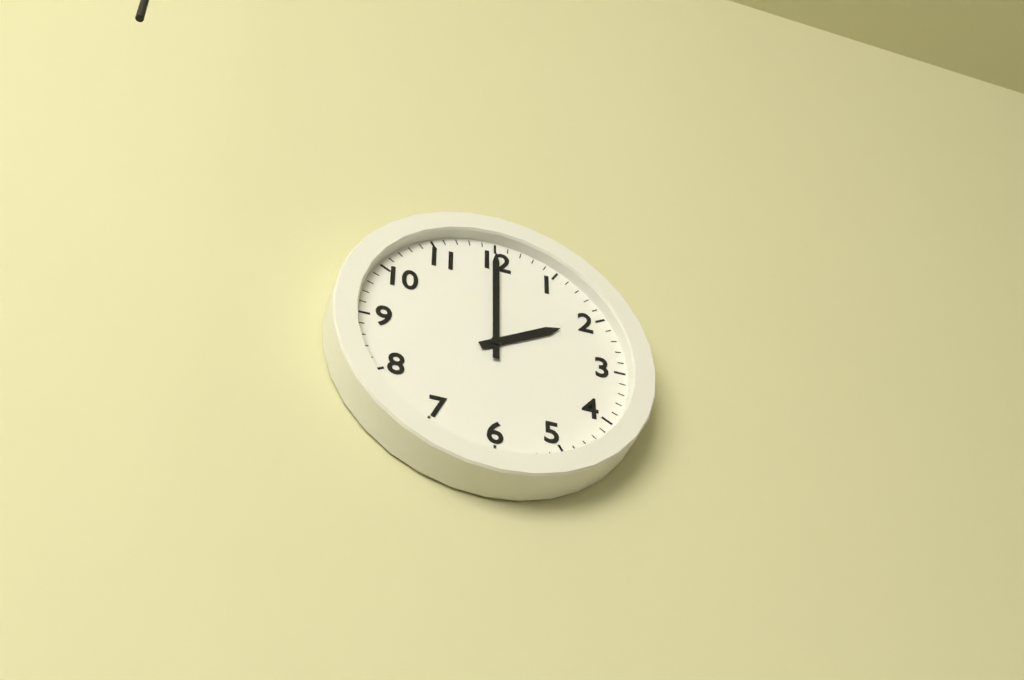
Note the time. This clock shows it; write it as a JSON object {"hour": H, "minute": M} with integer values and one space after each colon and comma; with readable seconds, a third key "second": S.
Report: {"hour": 2, "minute": 0}
